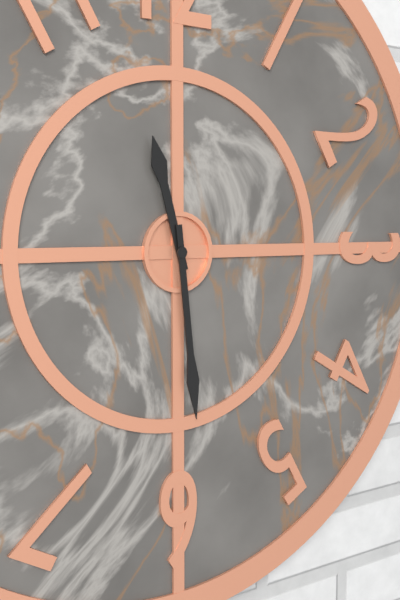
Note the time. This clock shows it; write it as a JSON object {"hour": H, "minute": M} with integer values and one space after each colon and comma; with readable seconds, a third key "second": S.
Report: {"hour": 11, "minute": 29}
